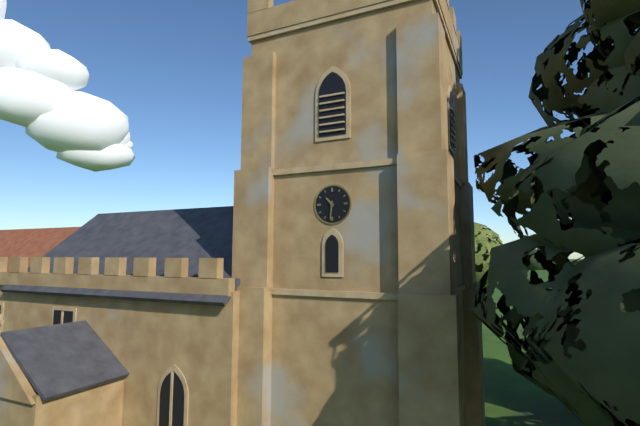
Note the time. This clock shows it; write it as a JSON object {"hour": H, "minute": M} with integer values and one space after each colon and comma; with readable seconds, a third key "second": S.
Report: {"hour": 10, "minute": 31}
